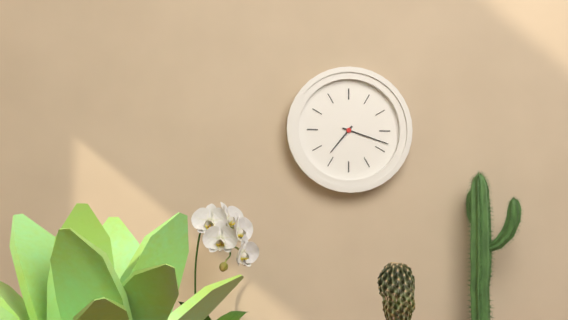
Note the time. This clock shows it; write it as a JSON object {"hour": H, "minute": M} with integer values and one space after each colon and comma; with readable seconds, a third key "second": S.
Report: {"hour": 7, "minute": 18}
